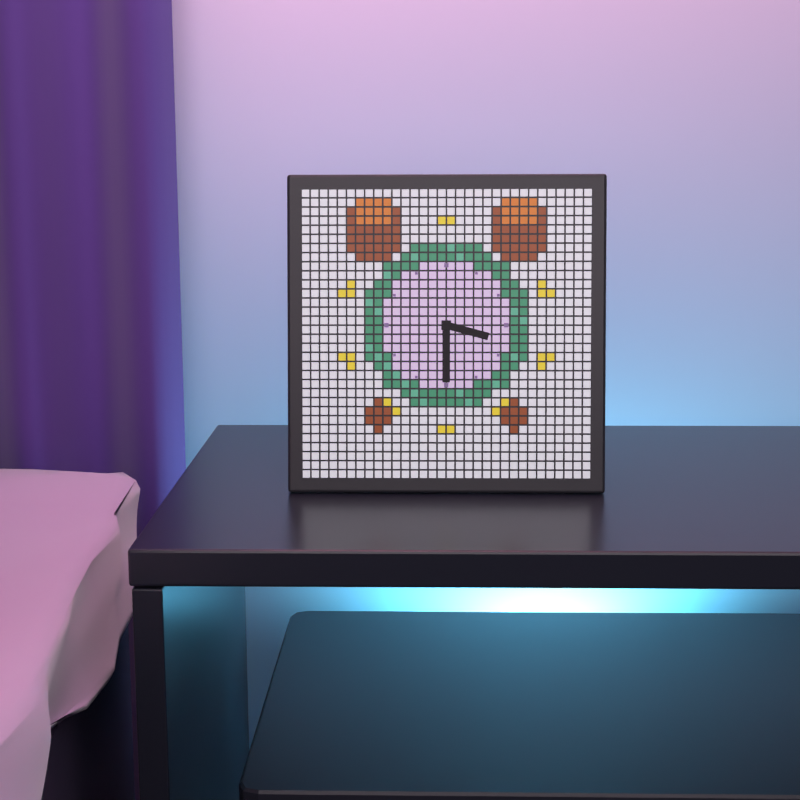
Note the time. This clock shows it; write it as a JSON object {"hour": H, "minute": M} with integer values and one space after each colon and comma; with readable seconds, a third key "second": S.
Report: {"hour": 3, "minute": 30}
